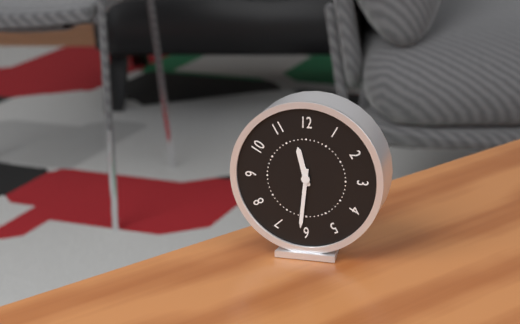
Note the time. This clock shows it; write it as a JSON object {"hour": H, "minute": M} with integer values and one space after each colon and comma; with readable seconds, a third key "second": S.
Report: {"hour": 11, "minute": 31}
